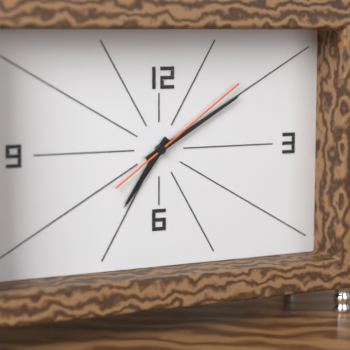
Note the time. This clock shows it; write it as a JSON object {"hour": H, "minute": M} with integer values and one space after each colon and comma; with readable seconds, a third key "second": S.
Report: {"hour": 7, "minute": 10, "second": 9}
